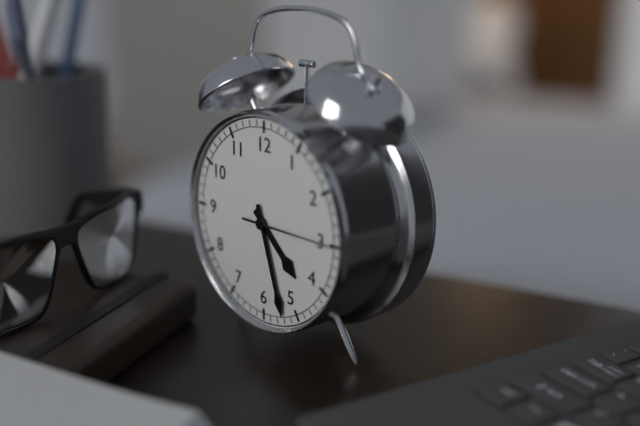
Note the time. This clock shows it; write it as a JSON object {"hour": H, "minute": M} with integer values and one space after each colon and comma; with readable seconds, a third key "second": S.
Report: {"hour": 4, "minute": 27, "second": 15}
